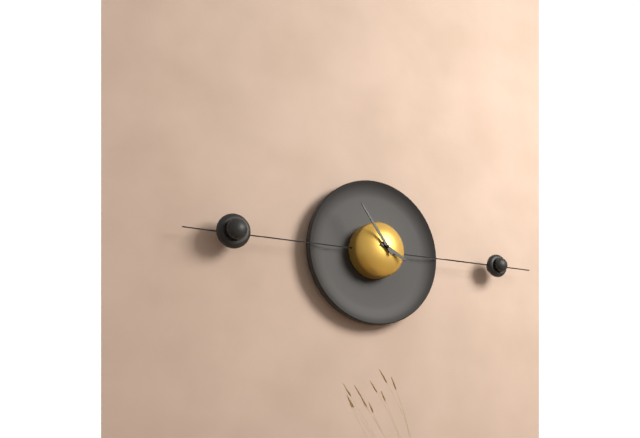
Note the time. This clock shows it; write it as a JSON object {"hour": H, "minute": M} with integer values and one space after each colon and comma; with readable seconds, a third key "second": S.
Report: {"hour": 3, "minute": 54}
